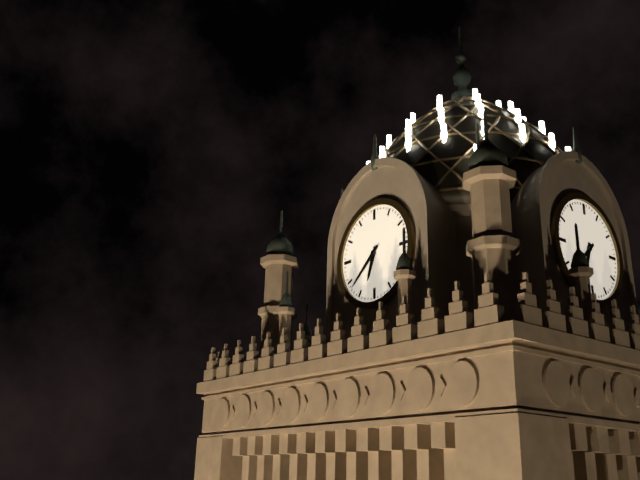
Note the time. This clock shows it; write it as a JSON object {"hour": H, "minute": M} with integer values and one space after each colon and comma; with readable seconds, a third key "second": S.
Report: {"hour": 6, "minute": 38}
